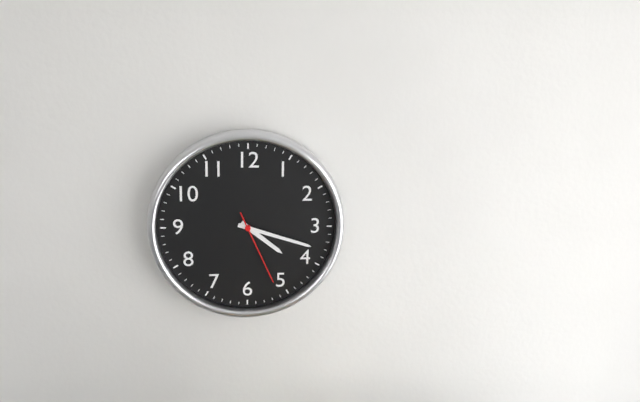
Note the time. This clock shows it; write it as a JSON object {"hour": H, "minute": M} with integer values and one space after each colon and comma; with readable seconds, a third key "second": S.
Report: {"hour": 4, "minute": 18, "second": 26}
